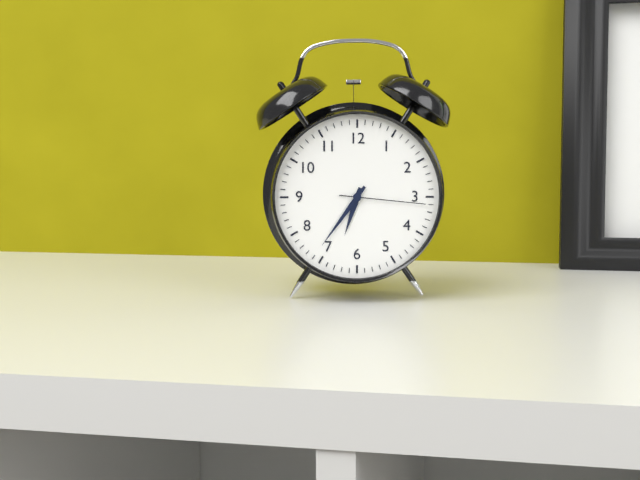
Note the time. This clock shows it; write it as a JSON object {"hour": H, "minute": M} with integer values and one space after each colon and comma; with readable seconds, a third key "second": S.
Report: {"hour": 6, "minute": 36, "second": 16}
